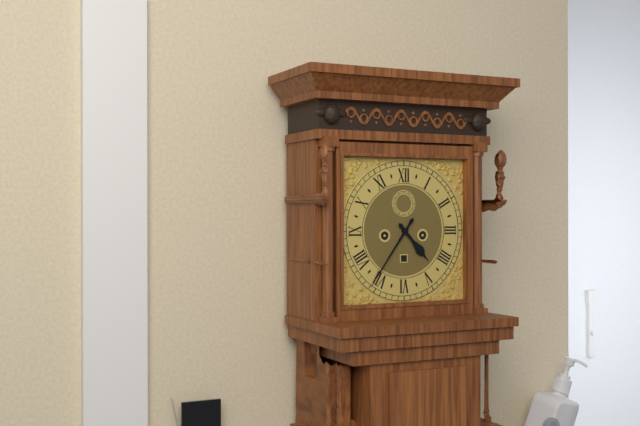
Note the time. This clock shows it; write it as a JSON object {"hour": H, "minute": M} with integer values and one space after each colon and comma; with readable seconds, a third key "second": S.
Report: {"hour": 4, "minute": 36}
